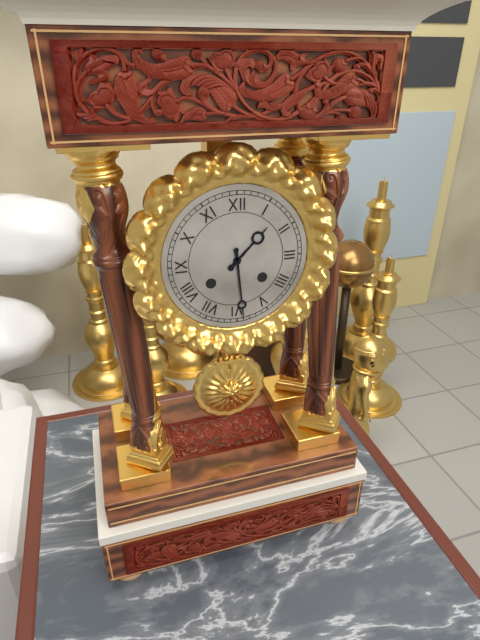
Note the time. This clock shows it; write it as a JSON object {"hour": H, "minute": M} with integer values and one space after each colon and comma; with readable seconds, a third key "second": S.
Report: {"hour": 1, "minute": 29}
